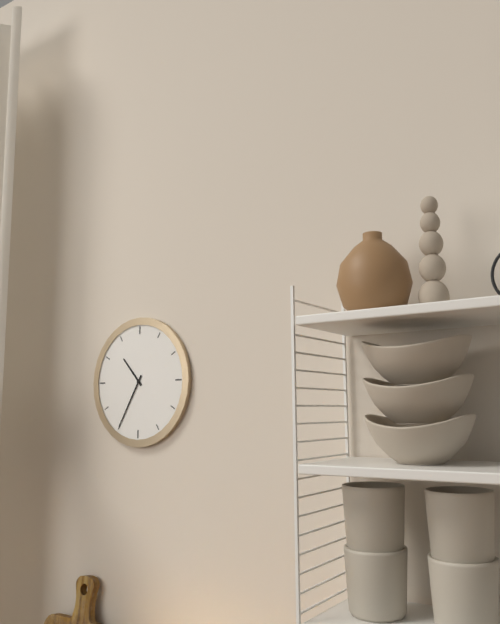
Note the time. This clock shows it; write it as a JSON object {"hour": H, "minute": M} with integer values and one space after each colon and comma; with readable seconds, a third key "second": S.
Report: {"hour": 10, "minute": 35}
